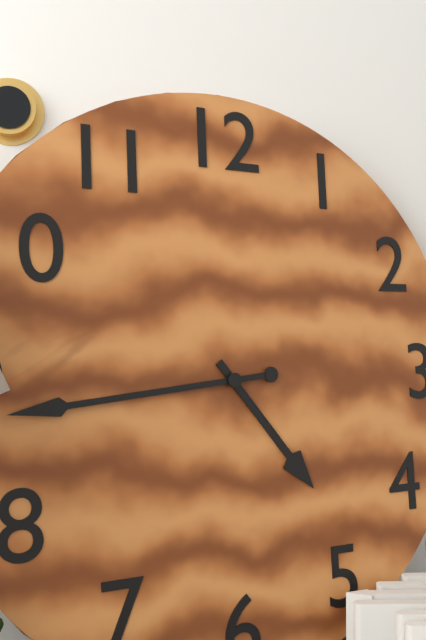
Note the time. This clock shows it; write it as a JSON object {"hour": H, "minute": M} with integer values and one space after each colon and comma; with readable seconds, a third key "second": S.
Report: {"hour": 4, "minute": 44}
